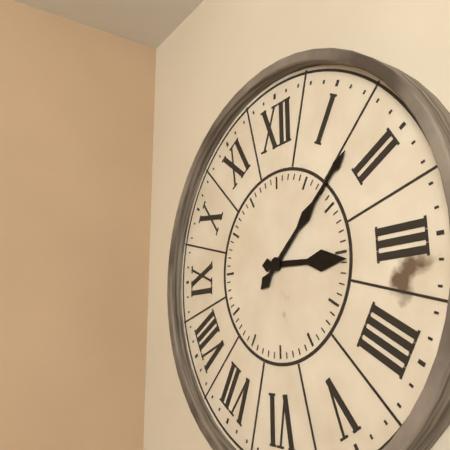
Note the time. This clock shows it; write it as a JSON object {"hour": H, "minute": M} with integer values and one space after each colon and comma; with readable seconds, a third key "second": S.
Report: {"hour": 3, "minute": 8}
